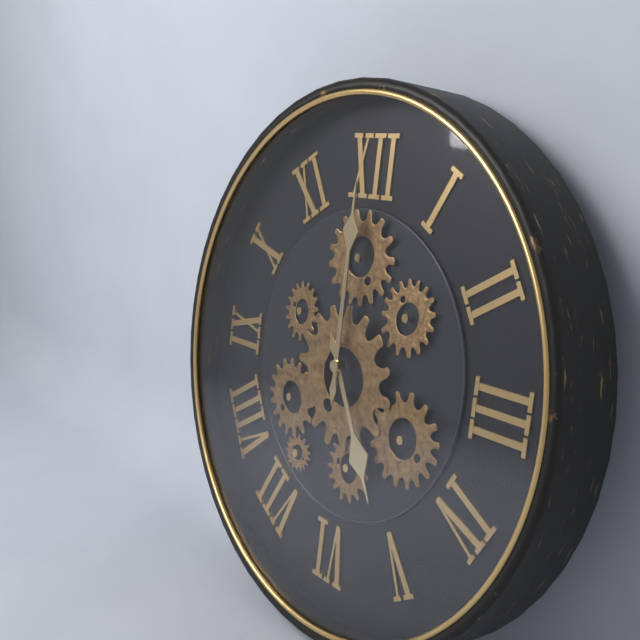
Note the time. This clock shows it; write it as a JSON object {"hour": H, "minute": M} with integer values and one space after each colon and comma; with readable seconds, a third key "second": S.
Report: {"hour": 5, "minute": 0}
